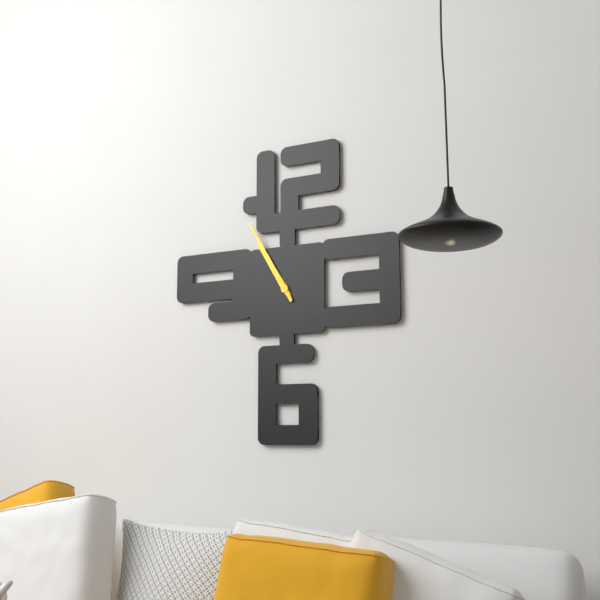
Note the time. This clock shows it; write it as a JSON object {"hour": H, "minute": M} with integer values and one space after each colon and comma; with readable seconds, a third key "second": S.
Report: {"hour": 10, "minute": 55}
